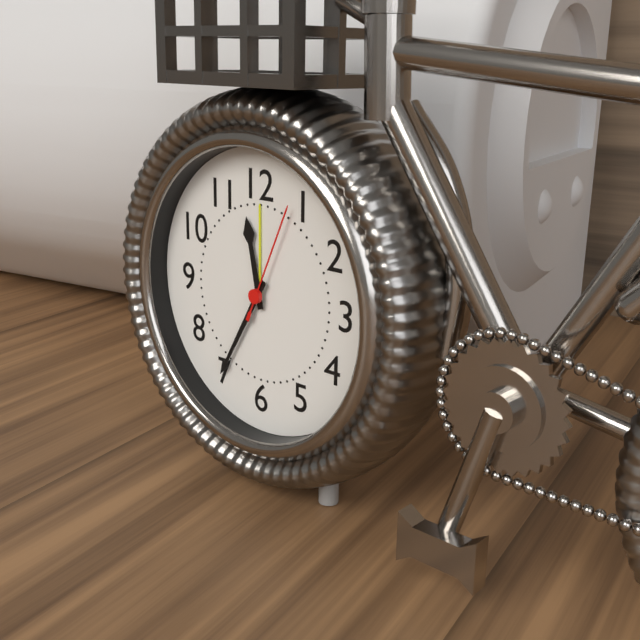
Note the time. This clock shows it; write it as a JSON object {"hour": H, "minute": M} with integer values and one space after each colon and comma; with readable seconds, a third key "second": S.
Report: {"hour": 11, "minute": 35, "second": 4}
